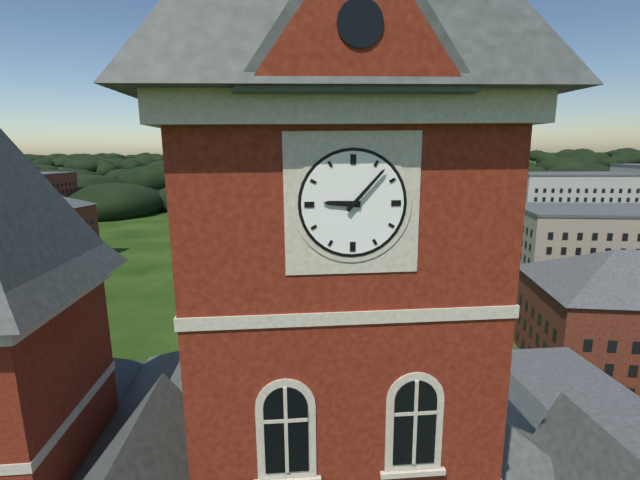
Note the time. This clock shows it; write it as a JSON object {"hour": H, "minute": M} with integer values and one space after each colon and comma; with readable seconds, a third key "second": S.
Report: {"hour": 9, "minute": 7}
